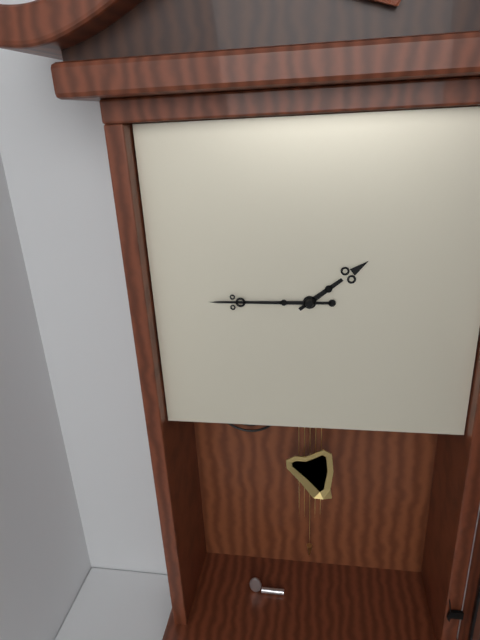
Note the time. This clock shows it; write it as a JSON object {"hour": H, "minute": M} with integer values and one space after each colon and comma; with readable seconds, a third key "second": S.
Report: {"hour": 1, "minute": 45}
